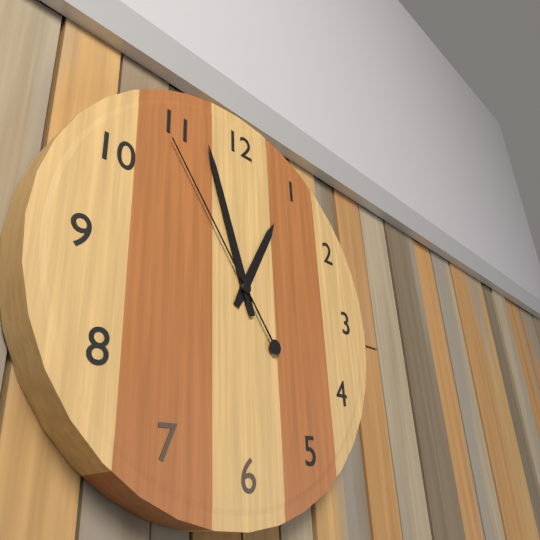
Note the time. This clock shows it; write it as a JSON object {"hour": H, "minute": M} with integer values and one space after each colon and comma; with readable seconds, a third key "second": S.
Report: {"hour": 12, "minute": 57, "second": 54}
